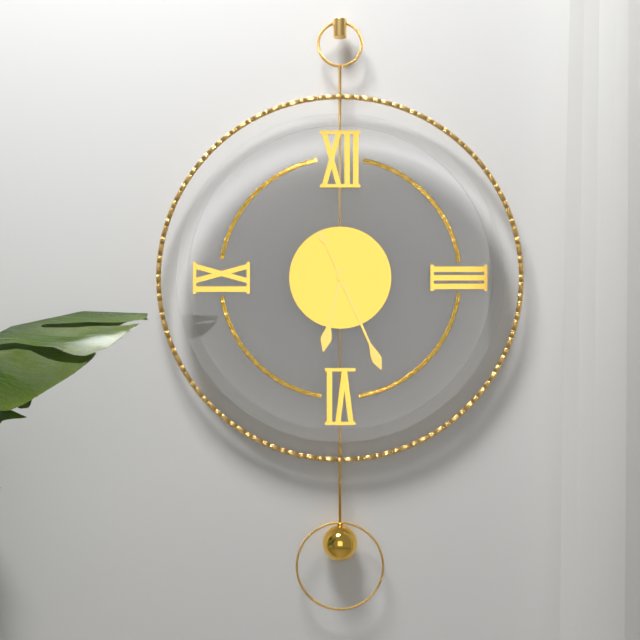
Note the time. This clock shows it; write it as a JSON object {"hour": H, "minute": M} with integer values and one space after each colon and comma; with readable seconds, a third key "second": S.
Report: {"hour": 6, "minute": 26}
